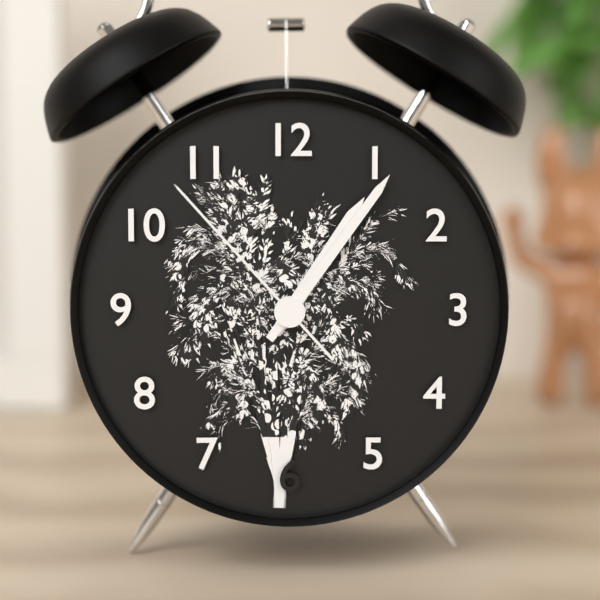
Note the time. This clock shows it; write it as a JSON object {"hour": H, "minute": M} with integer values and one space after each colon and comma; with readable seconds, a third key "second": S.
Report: {"hour": 1, "minute": 6, "second": 53}
